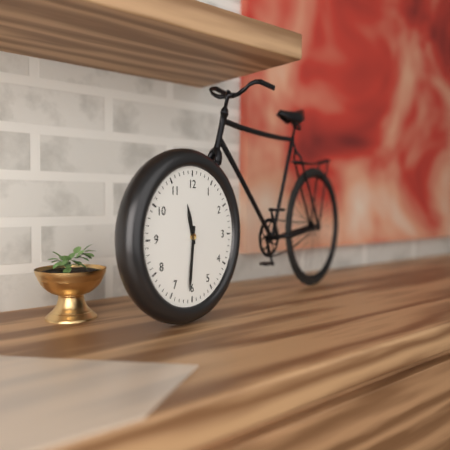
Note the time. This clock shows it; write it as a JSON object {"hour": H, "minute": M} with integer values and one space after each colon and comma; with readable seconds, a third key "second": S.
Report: {"hour": 11, "minute": 31}
